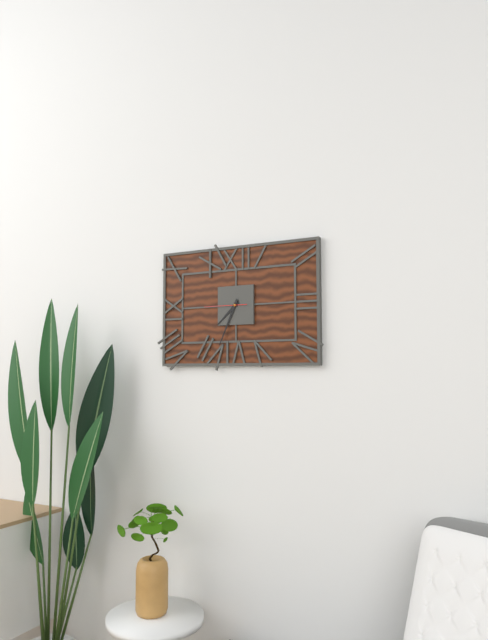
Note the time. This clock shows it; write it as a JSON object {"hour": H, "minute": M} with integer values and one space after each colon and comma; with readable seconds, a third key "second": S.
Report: {"hour": 7, "minute": 34}
